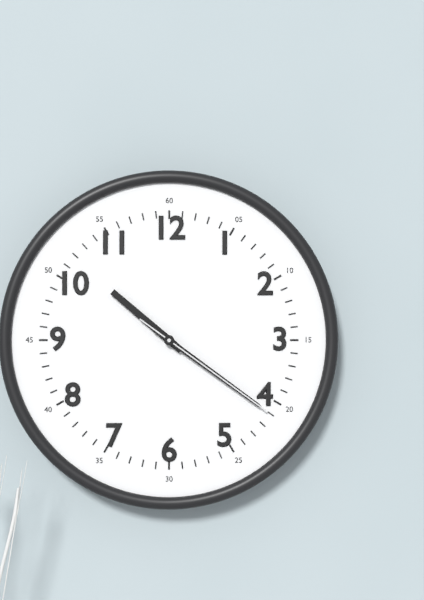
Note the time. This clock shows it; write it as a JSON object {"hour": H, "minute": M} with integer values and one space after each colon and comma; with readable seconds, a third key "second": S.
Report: {"hour": 10, "minute": 21, "second": 21}
